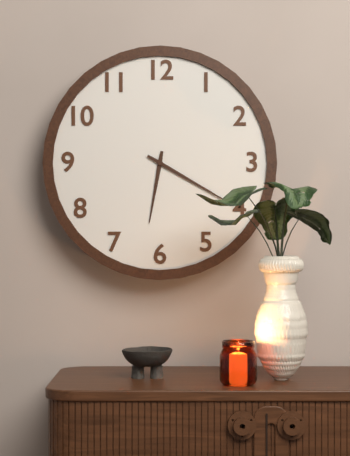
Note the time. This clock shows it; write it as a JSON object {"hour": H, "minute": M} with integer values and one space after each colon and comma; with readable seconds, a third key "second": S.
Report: {"hour": 6, "minute": 20}
